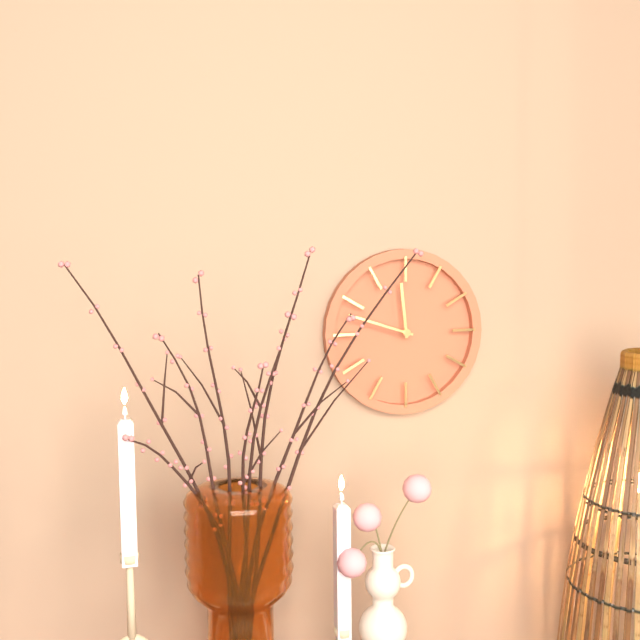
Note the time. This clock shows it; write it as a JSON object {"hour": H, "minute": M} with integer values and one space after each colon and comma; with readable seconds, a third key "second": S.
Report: {"hour": 11, "minute": 48}
